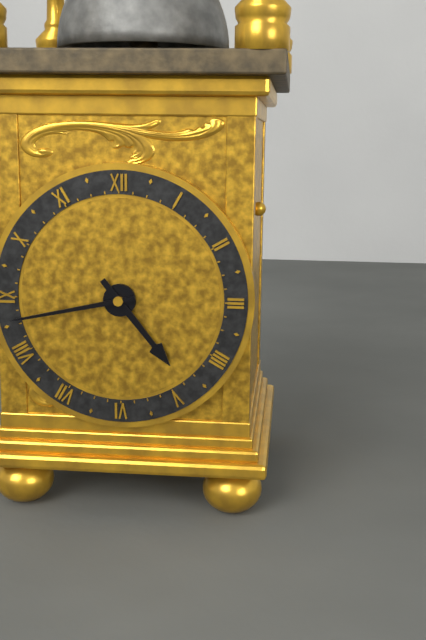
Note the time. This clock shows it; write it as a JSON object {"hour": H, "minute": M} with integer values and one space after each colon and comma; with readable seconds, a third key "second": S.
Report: {"hour": 4, "minute": 43}
